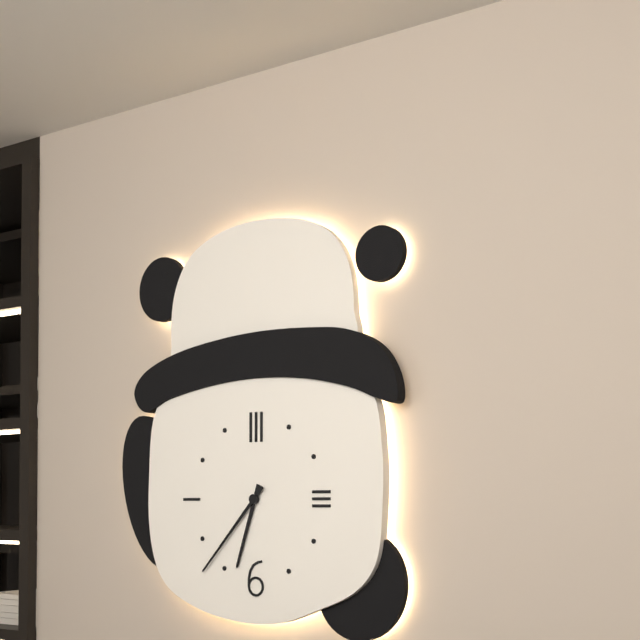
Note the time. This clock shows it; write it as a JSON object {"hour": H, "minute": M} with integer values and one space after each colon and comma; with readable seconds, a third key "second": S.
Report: {"hour": 6, "minute": 37}
